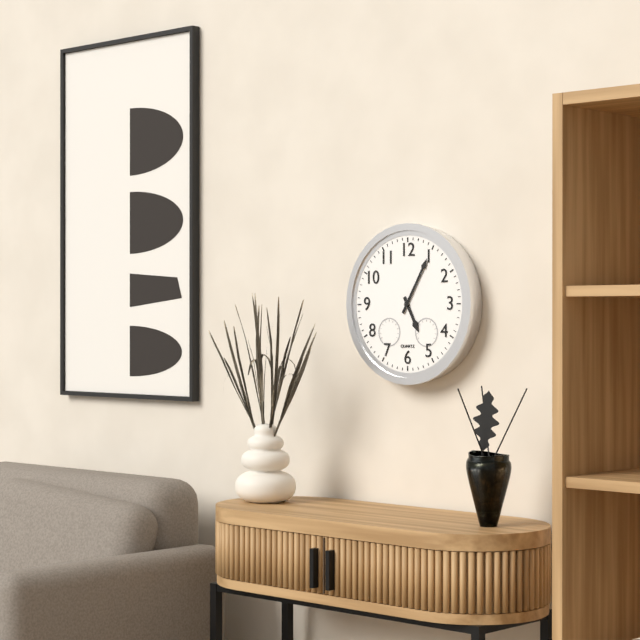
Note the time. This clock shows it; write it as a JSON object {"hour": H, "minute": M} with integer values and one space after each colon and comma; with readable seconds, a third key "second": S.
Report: {"hour": 5, "minute": 5}
